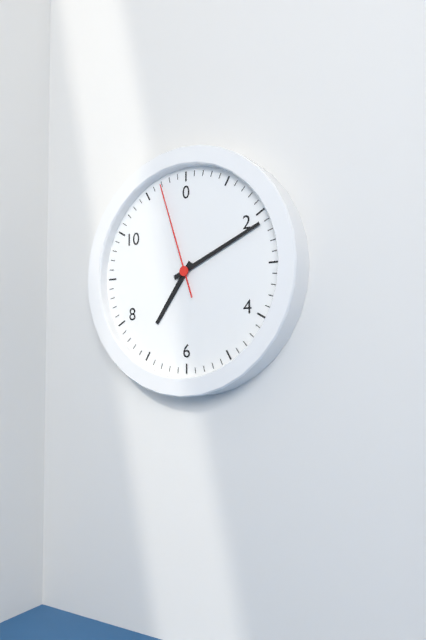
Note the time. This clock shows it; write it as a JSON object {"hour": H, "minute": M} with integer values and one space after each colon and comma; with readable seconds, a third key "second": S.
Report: {"hour": 7, "minute": 11, "second": 57}
